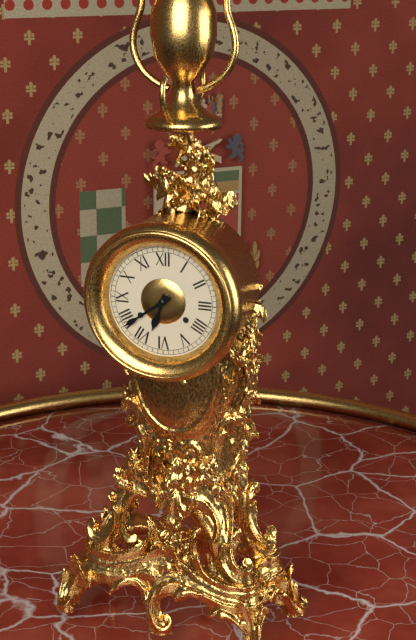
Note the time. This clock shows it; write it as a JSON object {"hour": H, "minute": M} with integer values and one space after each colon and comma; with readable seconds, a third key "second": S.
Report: {"hour": 6, "minute": 39}
